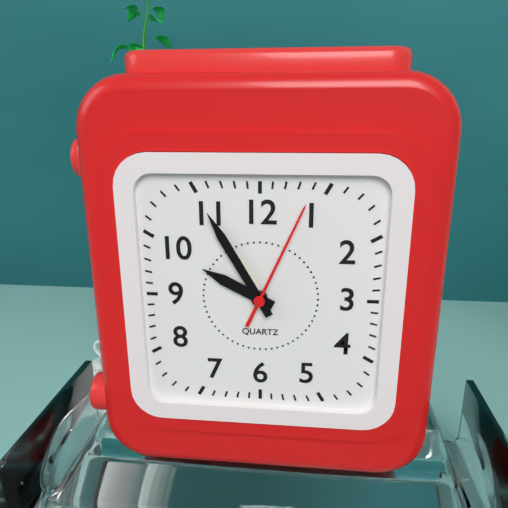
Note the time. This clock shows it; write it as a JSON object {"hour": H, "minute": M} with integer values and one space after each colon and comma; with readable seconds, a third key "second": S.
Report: {"hour": 9, "minute": 55, "second": 4}
